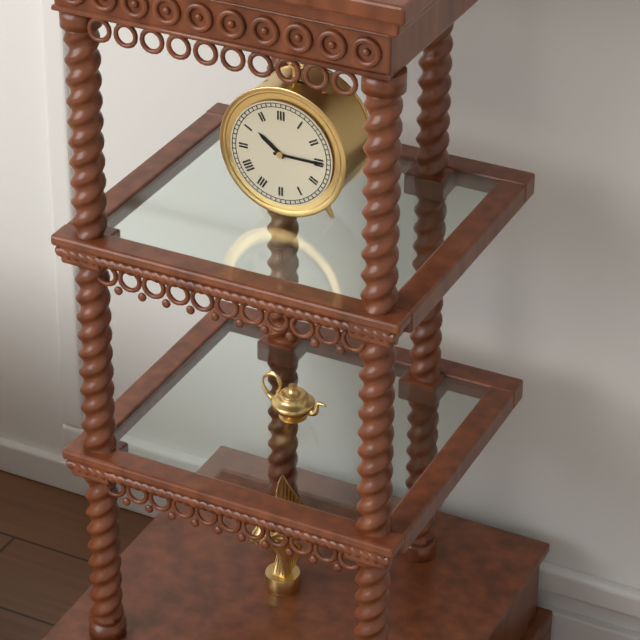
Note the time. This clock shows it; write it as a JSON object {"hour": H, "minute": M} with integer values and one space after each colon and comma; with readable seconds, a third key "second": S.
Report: {"hour": 10, "minute": 15}
